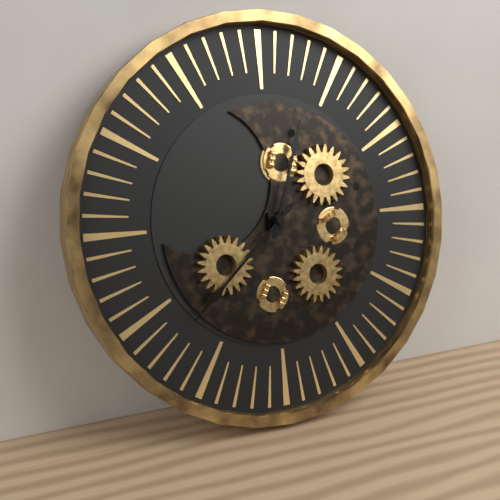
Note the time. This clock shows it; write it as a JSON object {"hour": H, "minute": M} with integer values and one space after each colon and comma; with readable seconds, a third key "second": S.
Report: {"hour": 12, "minute": 38}
